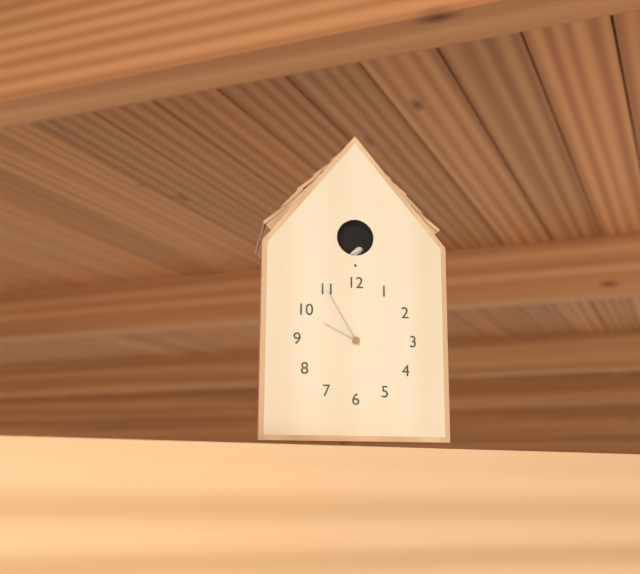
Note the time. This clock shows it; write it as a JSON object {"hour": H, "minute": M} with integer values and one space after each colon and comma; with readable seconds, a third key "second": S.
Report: {"hour": 9, "minute": 55}
